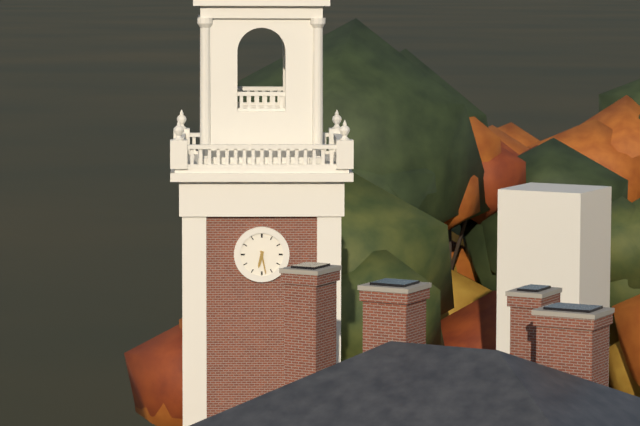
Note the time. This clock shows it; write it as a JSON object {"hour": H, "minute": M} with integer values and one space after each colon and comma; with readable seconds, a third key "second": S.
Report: {"hour": 6, "minute": 28}
